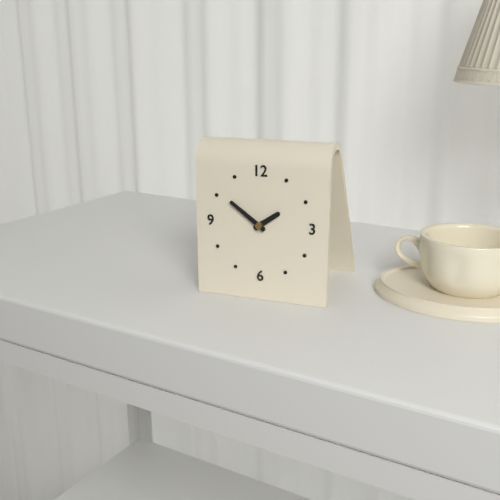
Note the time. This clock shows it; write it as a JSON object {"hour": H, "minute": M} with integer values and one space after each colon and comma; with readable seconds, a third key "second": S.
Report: {"hour": 1, "minute": 51}
